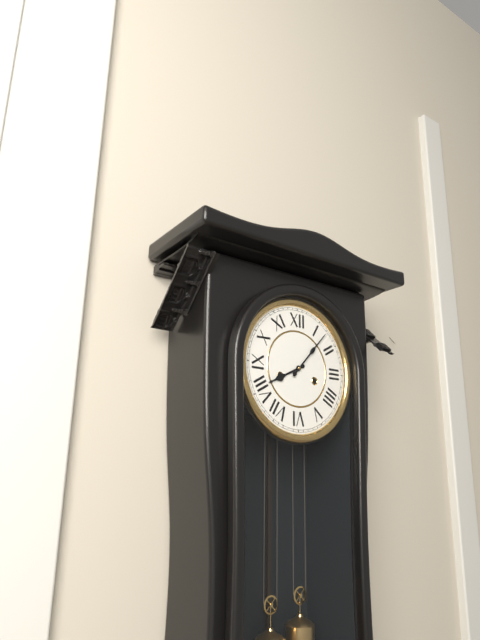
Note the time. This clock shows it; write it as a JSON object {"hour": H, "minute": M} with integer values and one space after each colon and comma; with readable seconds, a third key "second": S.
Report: {"hour": 8, "minute": 7}
